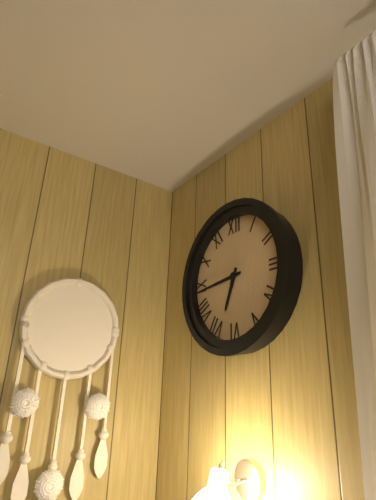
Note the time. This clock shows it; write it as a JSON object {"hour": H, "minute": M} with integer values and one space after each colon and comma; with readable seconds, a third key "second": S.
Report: {"hour": 6, "minute": 44}
